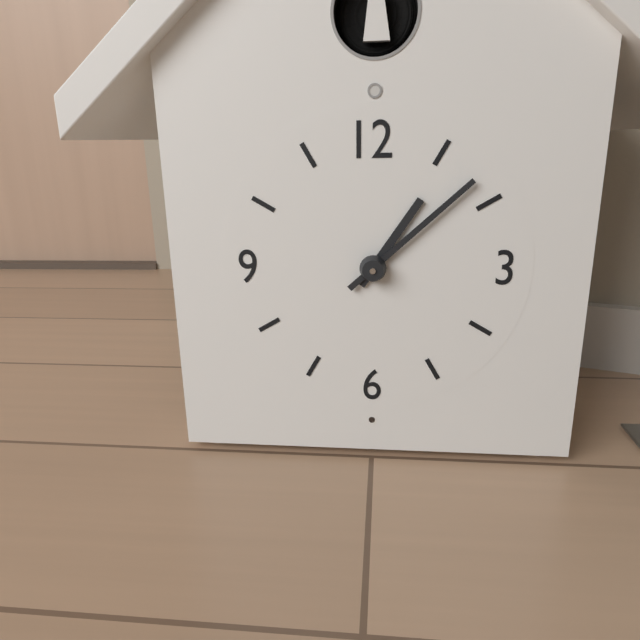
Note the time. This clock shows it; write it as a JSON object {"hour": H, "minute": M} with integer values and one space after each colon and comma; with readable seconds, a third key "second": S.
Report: {"hour": 1, "minute": 8}
